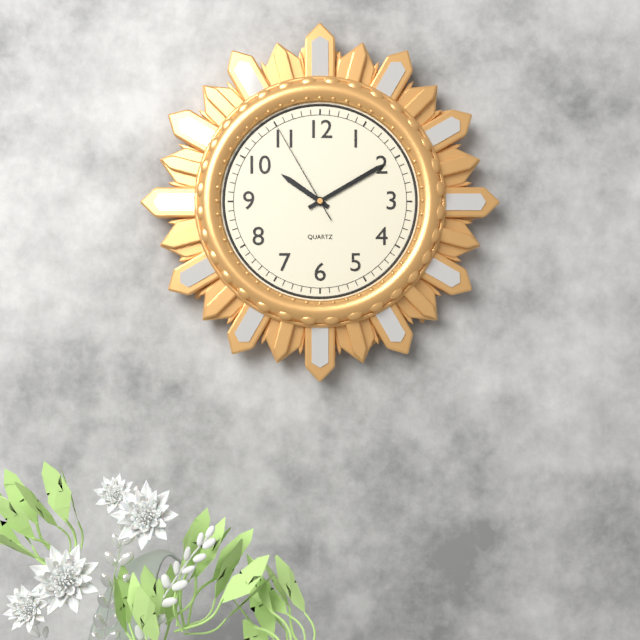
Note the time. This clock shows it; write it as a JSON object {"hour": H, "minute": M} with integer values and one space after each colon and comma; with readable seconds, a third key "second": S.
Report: {"hour": 10, "minute": 10, "second": 55}
